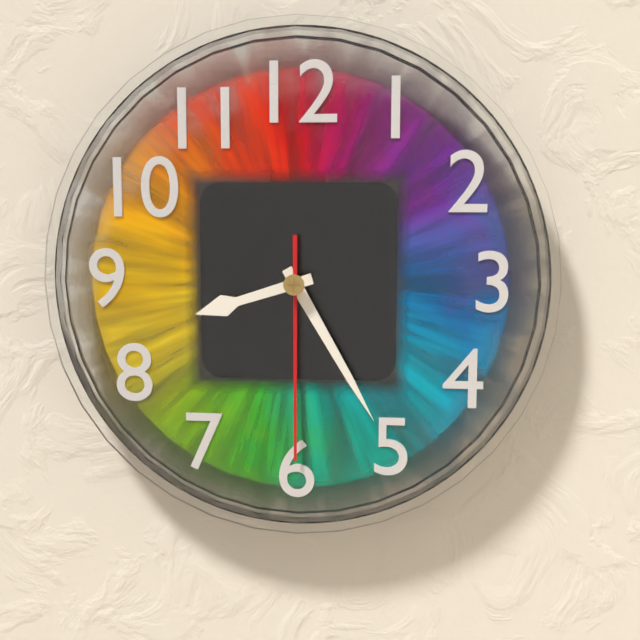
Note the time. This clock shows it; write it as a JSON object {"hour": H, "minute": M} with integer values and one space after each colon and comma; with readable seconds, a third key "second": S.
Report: {"hour": 8, "minute": 25, "second": 30}
